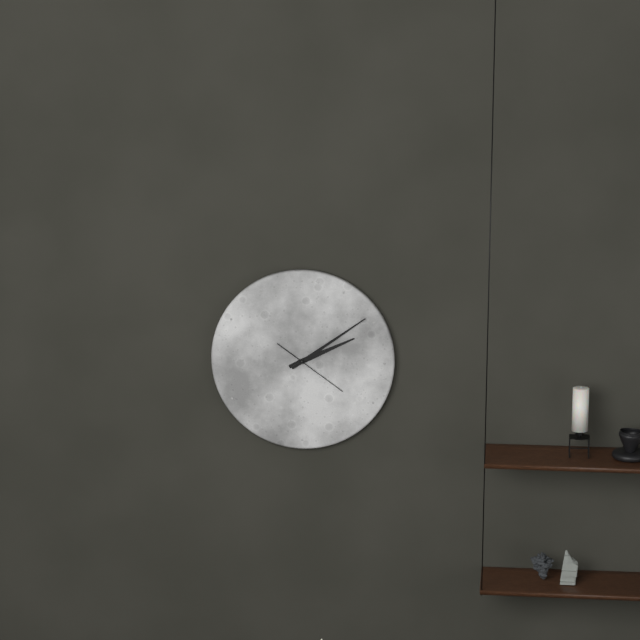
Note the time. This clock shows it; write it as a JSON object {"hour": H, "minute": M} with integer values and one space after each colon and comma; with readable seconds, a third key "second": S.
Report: {"hour": 2, "minute": 9, "second": 21}
